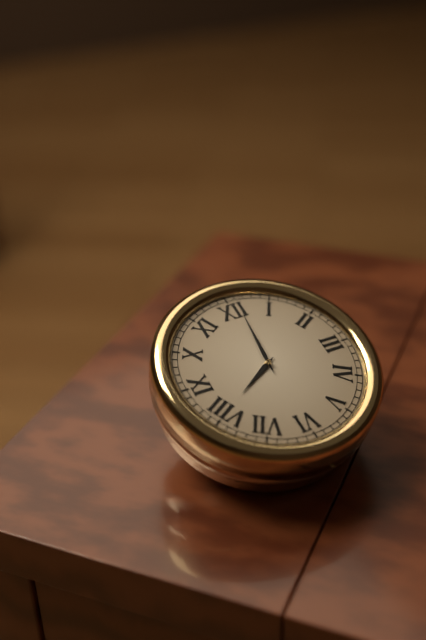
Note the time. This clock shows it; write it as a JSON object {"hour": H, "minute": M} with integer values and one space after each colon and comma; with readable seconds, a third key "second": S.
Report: {"hour": 8, "minute": 1}
